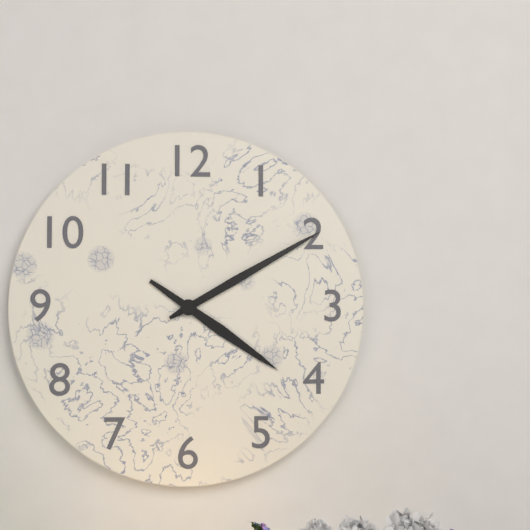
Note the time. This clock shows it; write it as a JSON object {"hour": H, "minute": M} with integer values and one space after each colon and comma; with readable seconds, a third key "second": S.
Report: {"hour": 4, "minute": 10}
